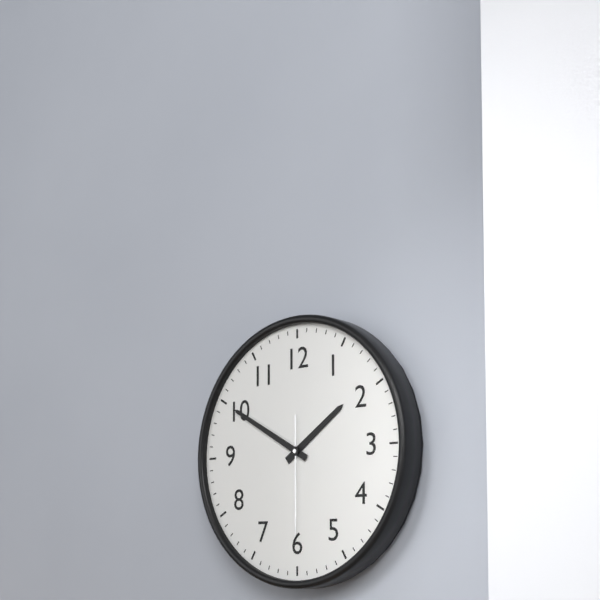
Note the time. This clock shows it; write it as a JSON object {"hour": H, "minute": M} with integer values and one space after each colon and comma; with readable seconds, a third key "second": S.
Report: {"hour": 1, "minute": 50, "second": 30}
